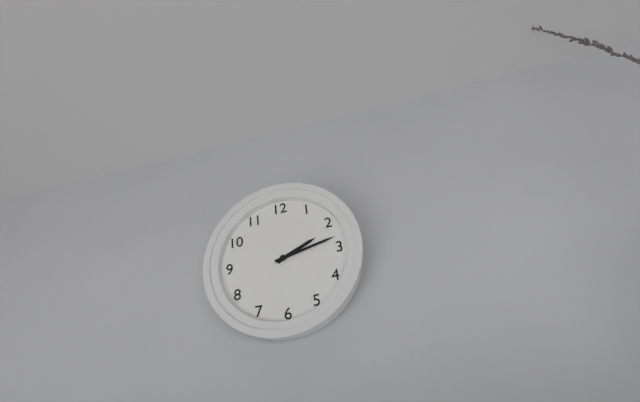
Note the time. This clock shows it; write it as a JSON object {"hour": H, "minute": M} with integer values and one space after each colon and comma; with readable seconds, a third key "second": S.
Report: {"hour": 2, "minute": 13}
